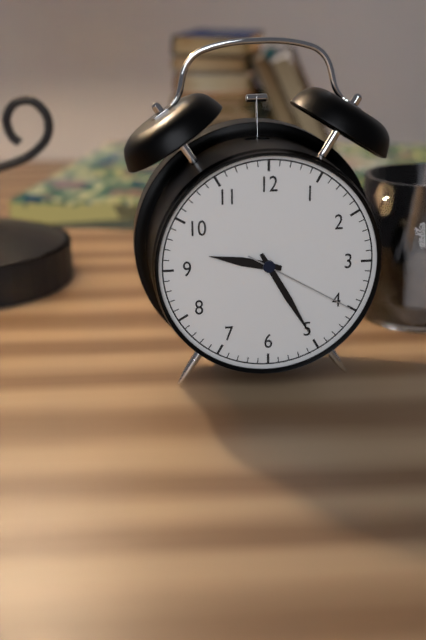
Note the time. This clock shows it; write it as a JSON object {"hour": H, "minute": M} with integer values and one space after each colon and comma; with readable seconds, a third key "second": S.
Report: {"hour": 9, "minute": 25, "second": 20}
